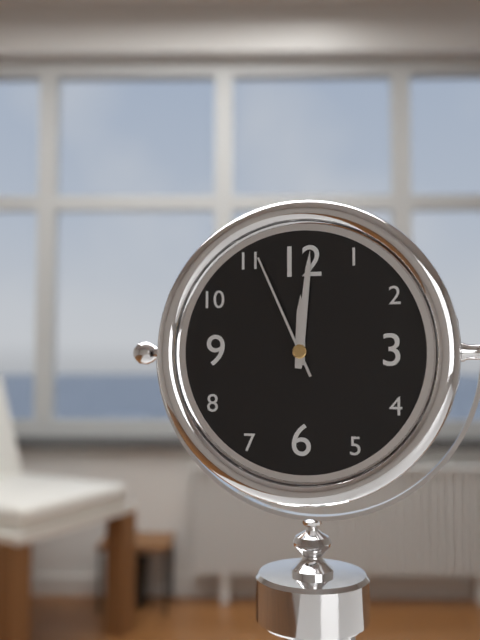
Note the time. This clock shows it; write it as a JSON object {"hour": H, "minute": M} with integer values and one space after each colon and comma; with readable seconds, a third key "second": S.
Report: {"hour": 12, "minute": 1, "second": 56}
